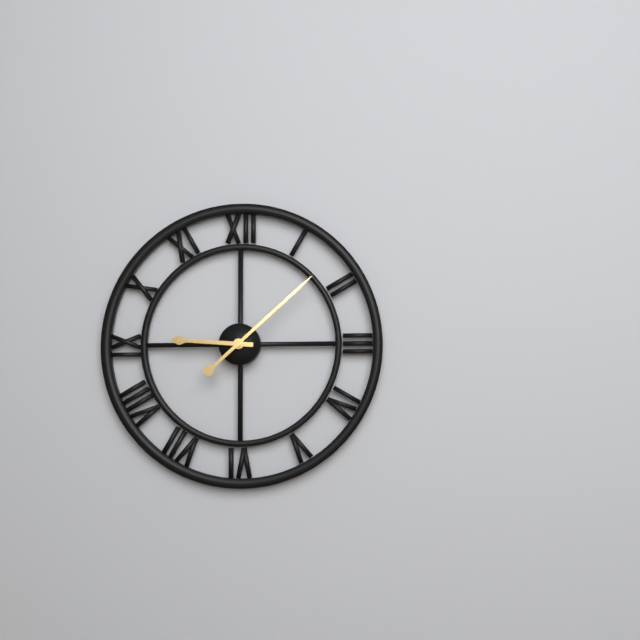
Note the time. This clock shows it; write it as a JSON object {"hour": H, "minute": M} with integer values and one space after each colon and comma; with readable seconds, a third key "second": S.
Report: {"hour": 9, "minute": 8}
